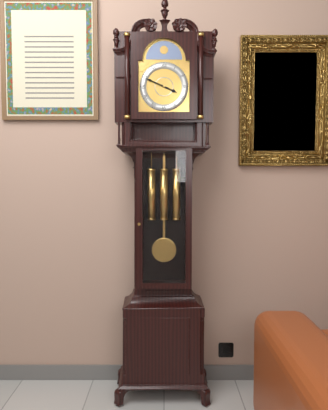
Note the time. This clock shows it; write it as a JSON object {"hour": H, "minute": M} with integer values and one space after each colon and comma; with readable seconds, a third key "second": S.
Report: {"hour": 3, "minute": 49}
